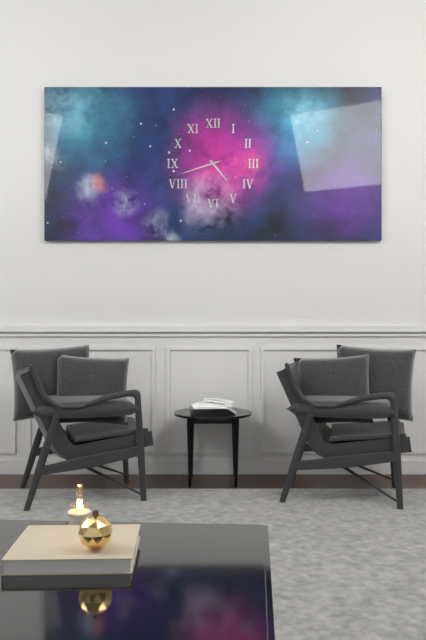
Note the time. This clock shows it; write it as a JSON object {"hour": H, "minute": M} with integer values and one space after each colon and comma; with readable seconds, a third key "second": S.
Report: {"hour": 4, "minute": 42}
